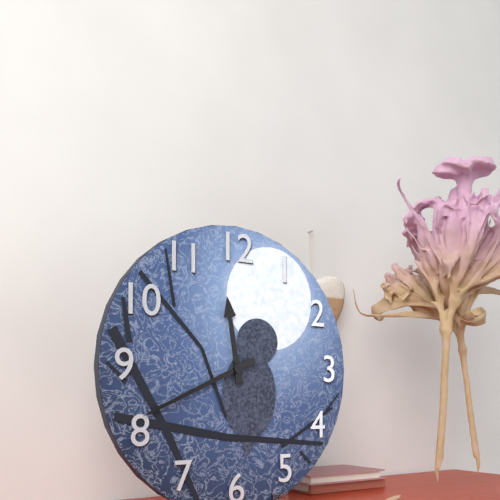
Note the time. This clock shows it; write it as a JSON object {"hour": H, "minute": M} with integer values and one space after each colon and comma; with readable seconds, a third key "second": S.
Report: {"hour": 11, "minute": 41}
